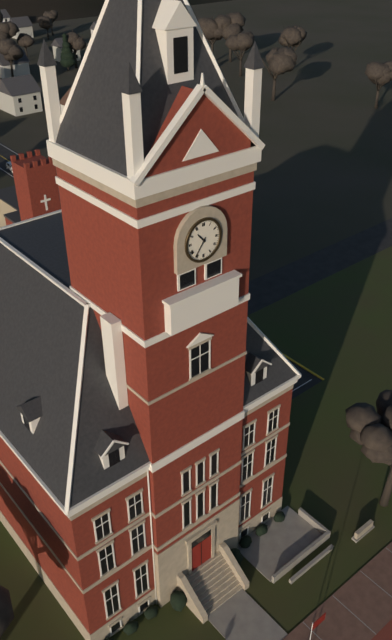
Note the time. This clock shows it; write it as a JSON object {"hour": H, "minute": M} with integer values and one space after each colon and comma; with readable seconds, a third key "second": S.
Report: {"hour": 10, "minute": 36}
